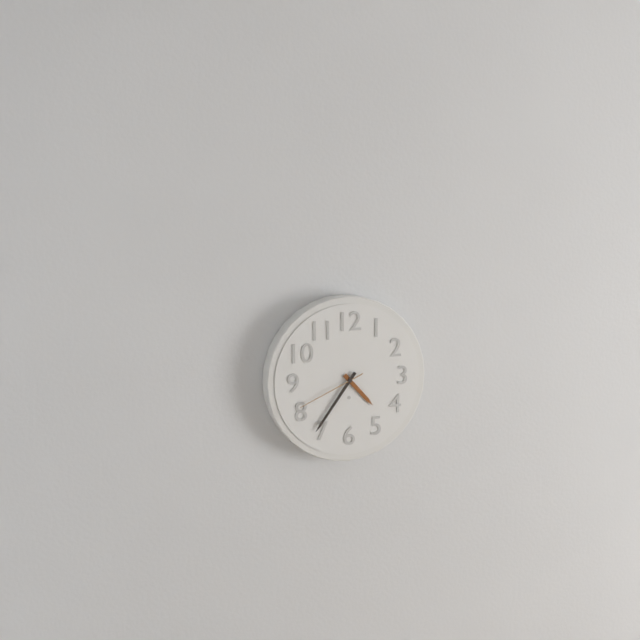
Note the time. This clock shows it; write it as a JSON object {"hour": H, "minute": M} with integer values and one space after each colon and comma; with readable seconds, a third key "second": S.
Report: {"hour": 4, "minute": 36, "second": 41}
